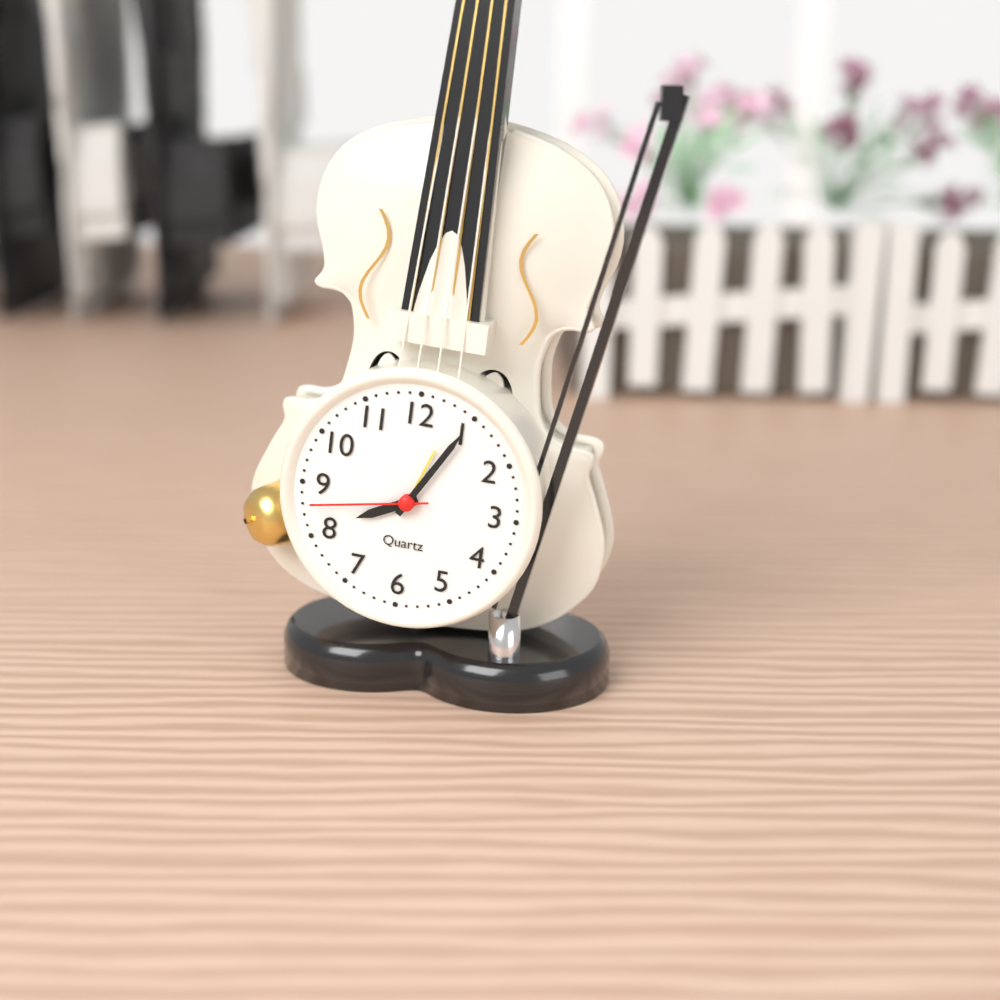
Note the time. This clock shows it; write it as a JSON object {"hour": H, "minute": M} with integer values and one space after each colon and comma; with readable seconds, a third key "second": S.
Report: {"hour": 8, "minute": 5, "second": 43}
